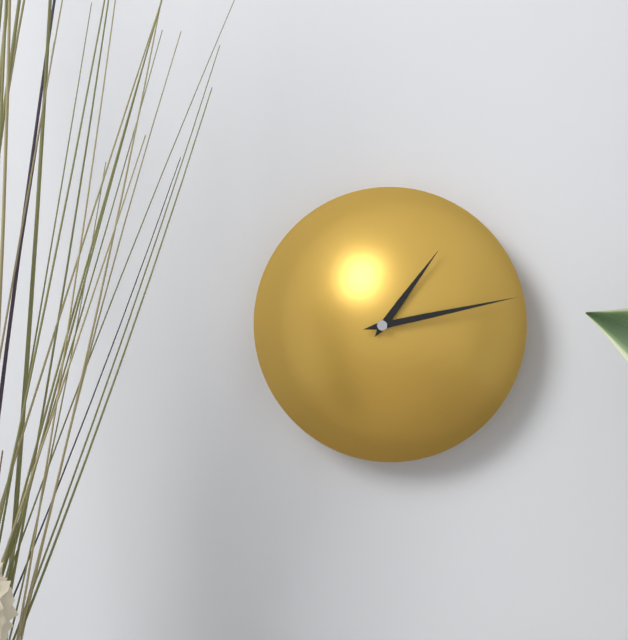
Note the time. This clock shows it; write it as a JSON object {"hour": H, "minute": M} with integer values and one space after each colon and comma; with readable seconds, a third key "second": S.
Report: {"hour": 1, "minute": 13}
